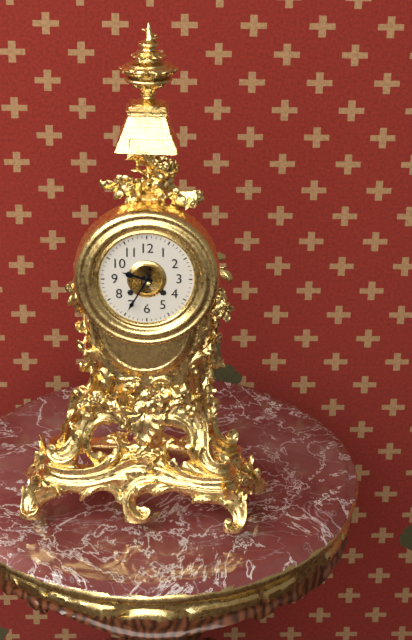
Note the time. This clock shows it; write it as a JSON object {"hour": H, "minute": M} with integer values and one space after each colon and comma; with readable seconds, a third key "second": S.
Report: {"hour": 9, "minute": 35}
